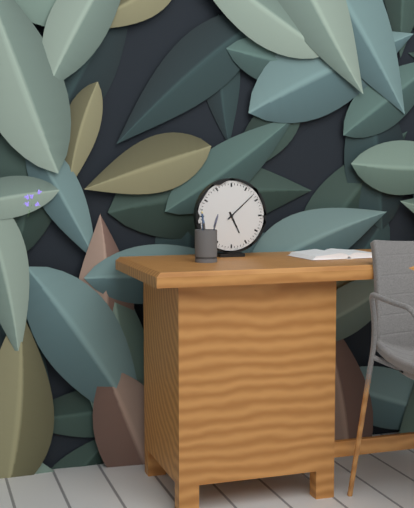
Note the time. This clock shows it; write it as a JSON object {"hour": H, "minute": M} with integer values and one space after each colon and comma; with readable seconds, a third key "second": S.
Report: {"hour": 5, "minute": 8}
